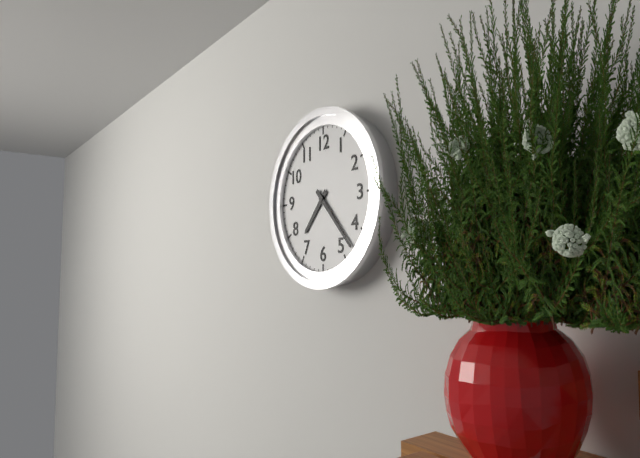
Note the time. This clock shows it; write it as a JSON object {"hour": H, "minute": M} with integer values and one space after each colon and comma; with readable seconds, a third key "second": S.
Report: {"hour": 7, "minute": 23}
